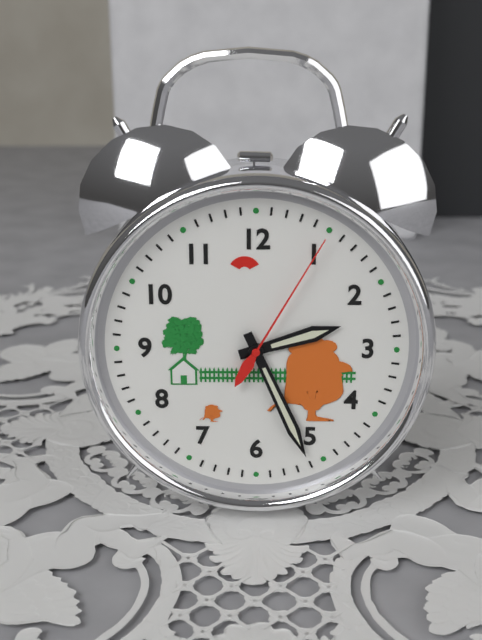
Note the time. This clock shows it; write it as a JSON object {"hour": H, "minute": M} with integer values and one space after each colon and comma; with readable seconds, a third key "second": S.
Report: {"hour": 2, "minute": 26, "second": 5}
